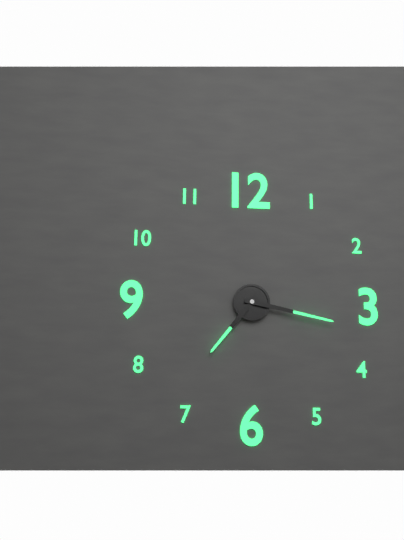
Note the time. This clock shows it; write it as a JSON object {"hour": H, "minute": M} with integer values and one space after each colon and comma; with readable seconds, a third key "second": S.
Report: {"hour": 7, "minute": 17}
